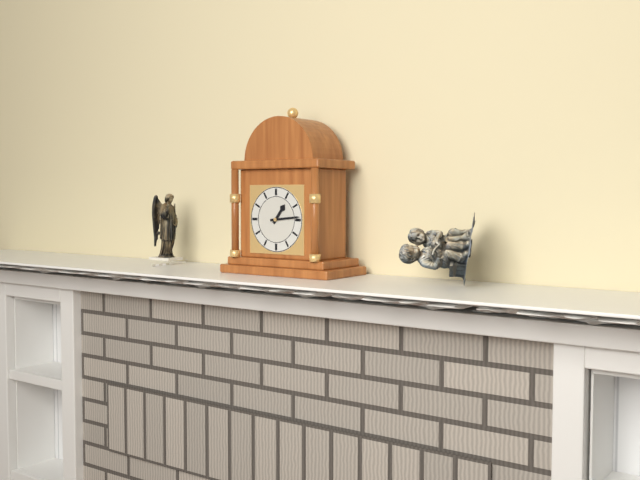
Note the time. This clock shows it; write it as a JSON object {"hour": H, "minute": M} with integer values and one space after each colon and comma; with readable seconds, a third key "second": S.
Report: {"hour": 1, "minute": 14}
